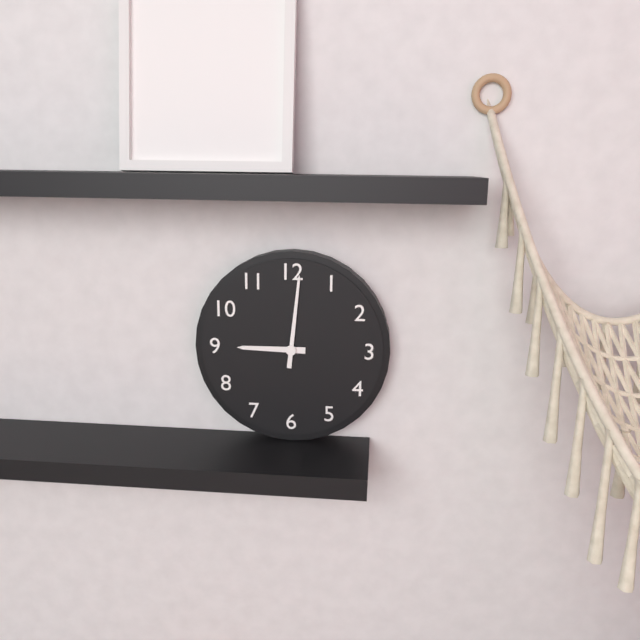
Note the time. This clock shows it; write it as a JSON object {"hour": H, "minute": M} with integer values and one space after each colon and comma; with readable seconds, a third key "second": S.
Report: {"hour": 9, "minute": 1}
